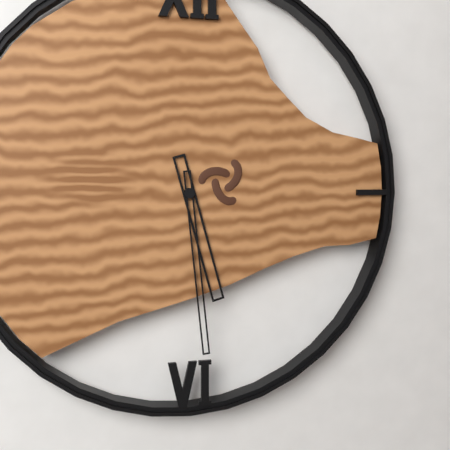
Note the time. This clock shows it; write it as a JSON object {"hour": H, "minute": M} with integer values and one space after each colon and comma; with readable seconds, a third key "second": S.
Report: {"hour": 5, "minute": 29}
